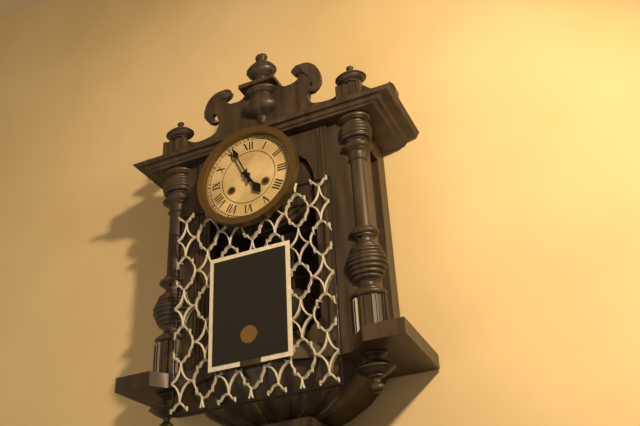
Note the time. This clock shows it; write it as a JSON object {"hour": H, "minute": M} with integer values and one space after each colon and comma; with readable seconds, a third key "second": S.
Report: {"hour": 4, "minute": 56}
